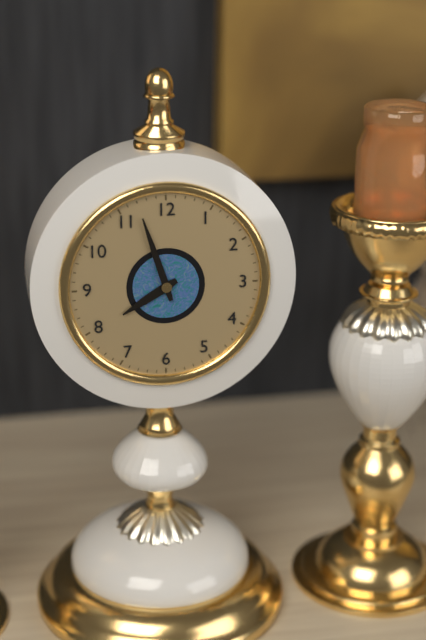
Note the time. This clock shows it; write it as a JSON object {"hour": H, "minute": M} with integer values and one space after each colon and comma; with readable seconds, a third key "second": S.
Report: {"hour": 7, "minute": 57}
